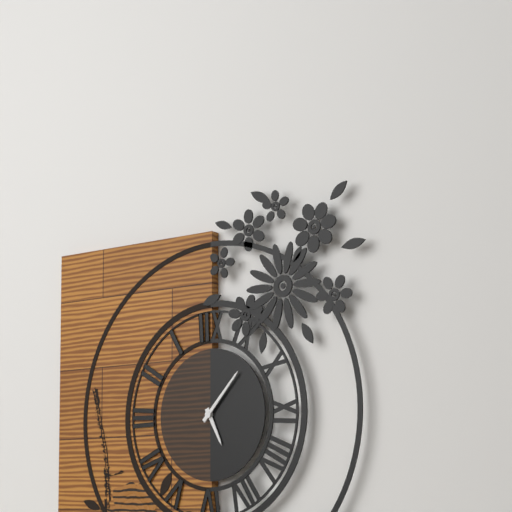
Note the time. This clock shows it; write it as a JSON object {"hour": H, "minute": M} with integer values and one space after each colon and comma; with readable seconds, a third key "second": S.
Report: {"hour": 5, "minute": 7}
